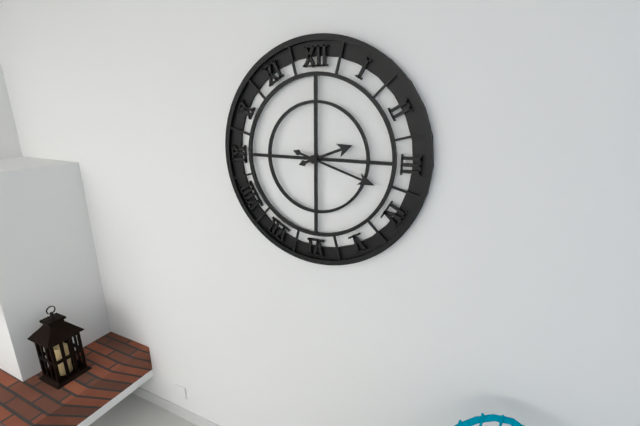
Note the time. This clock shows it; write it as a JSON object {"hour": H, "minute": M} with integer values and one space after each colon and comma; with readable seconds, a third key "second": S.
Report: {"hour": 2, "minute": 18}
